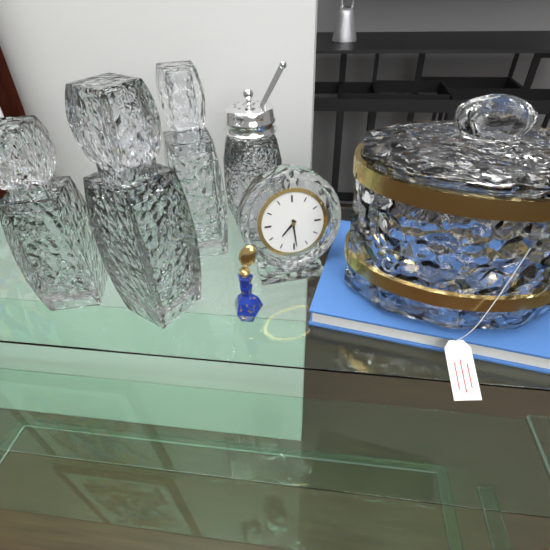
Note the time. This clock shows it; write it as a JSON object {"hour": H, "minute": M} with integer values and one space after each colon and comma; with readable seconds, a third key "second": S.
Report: {"hour": 7, "minute": 29}
